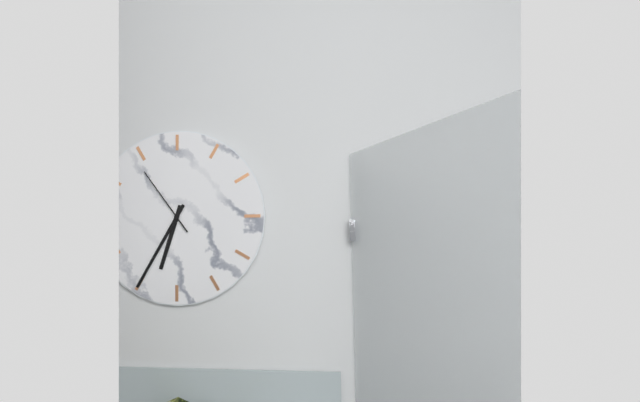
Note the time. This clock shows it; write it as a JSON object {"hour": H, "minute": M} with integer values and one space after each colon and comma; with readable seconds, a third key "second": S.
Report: {"hour": 6, "minute": 35, "second": 54}
